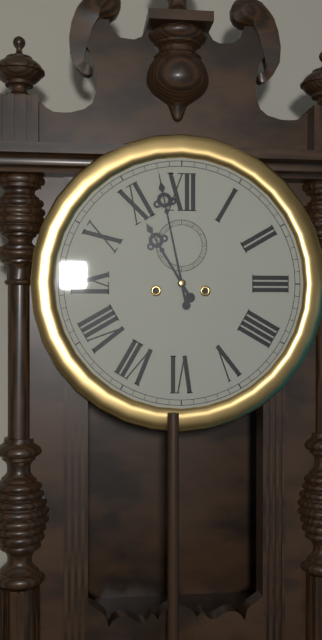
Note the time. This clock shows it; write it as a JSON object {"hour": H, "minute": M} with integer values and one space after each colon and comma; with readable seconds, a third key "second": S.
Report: {"hour": 10, "minute": 58}
